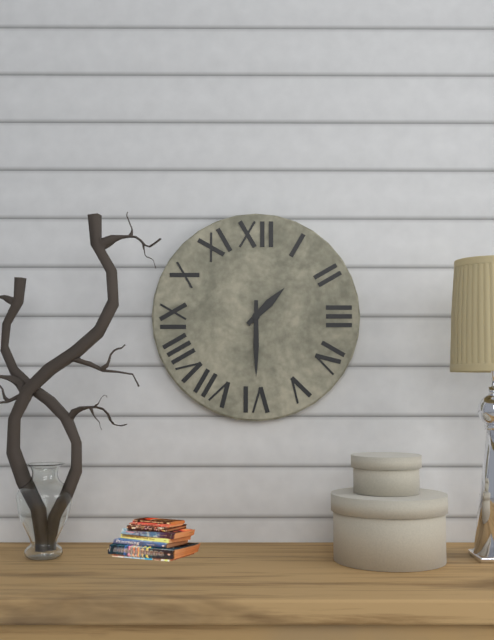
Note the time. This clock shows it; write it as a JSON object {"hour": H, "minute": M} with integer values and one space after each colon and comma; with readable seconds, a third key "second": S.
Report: {"hour": 1, "minute": 30}
